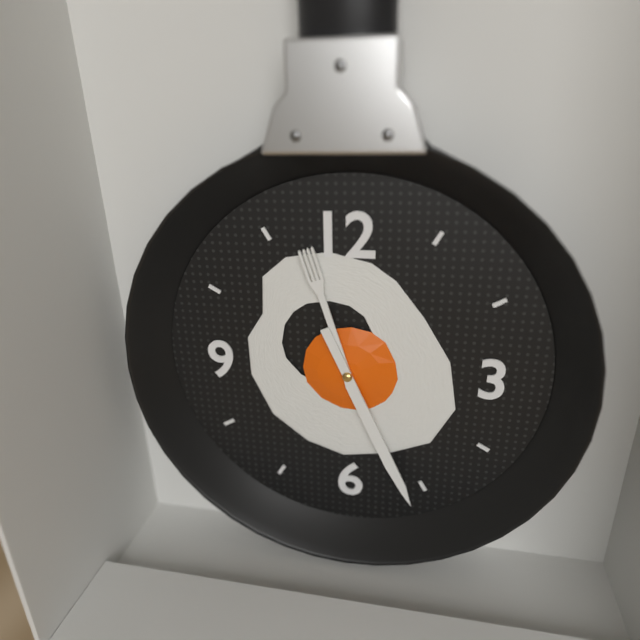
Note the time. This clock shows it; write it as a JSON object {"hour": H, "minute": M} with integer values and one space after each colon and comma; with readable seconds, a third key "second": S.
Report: {"hour": 11, "minute": 26}
